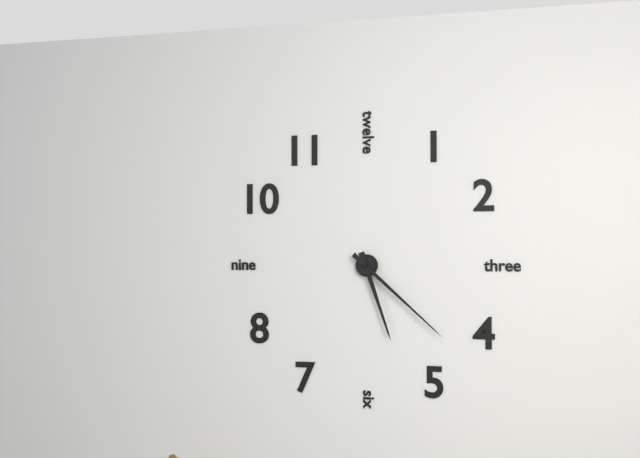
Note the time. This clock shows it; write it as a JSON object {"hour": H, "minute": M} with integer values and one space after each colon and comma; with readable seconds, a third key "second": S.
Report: {"hour": 5, "minute": 22}
